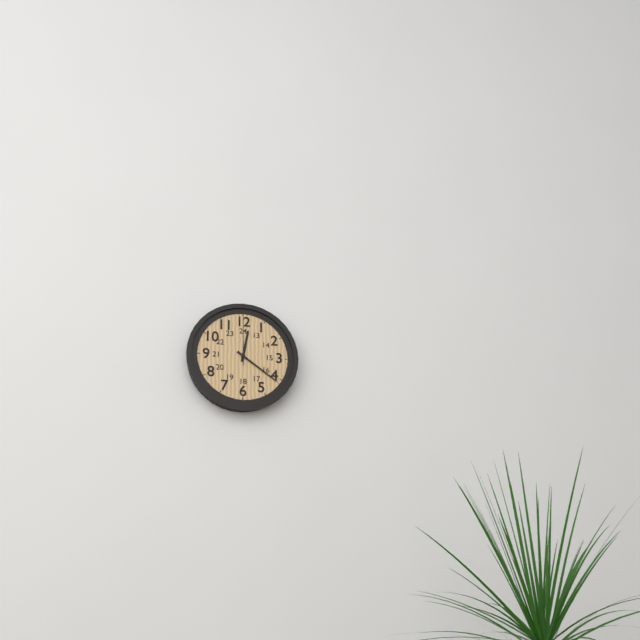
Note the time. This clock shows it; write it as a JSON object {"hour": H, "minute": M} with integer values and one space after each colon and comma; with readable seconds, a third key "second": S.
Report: {"hour": 12, "minute": 21}
